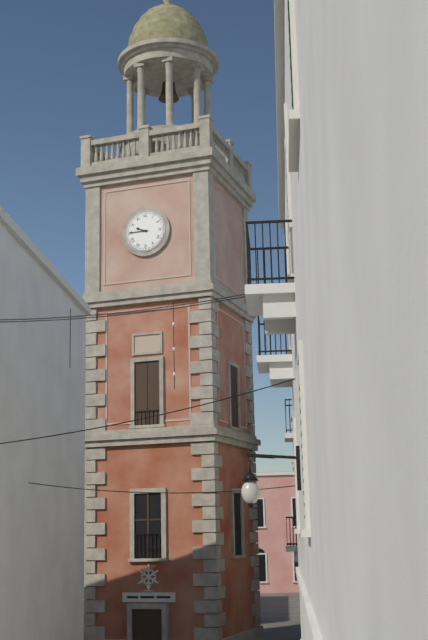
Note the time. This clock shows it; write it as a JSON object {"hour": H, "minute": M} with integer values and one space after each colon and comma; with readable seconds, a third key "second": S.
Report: {"hour": 9, "minute": 45}
